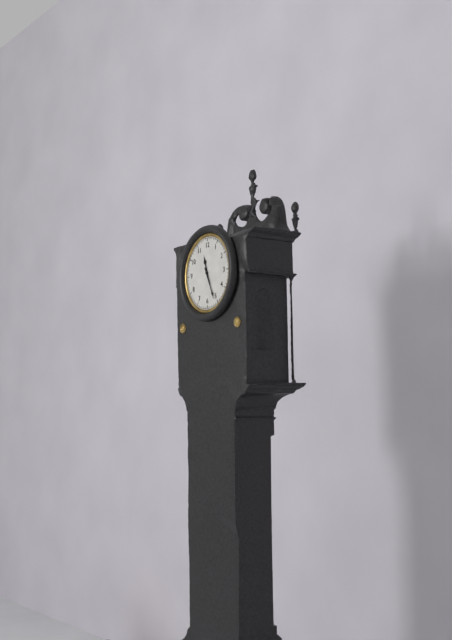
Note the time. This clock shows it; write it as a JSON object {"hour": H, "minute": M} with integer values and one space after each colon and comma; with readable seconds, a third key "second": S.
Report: {"hour": 11, "minute": 26}
